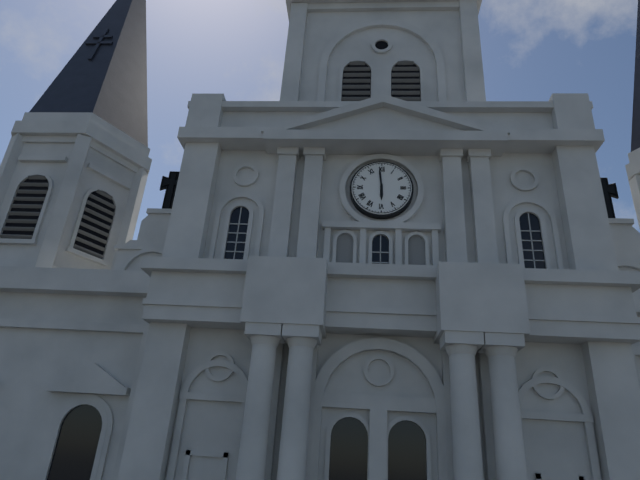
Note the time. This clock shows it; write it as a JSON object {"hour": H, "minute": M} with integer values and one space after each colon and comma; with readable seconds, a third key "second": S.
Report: {"hour": 5, "minute": 59}
